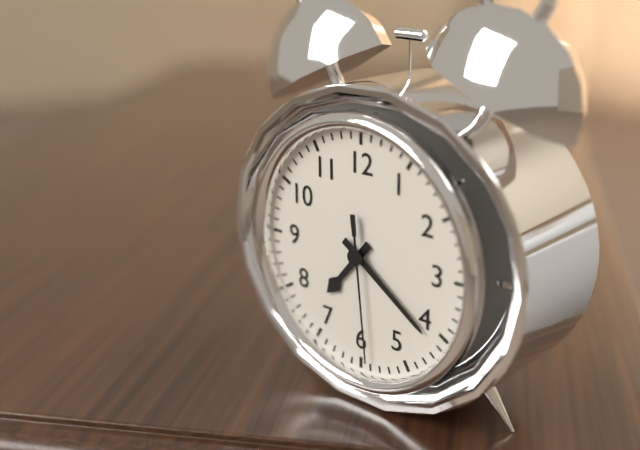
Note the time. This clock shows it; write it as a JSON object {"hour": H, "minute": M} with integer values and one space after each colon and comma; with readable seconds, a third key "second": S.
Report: {"hour": 7, "minute": 21, "second": 29}
